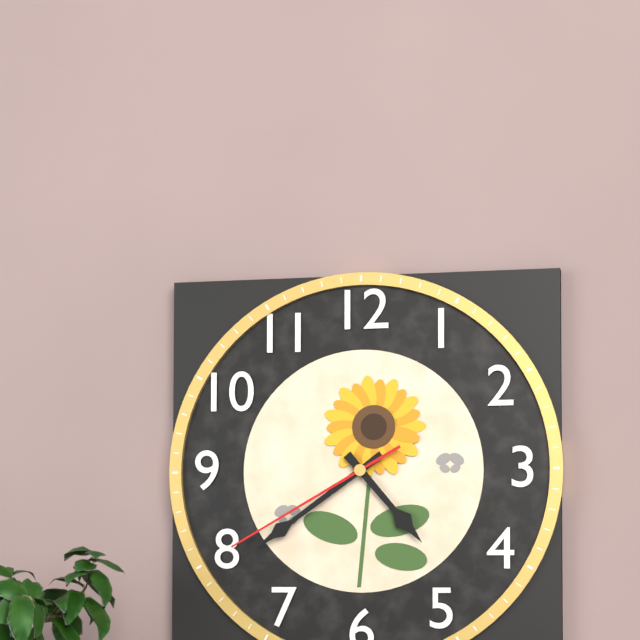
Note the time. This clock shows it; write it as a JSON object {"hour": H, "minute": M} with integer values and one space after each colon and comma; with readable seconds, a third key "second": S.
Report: {"hour": 4, "minute": 39, "second": 40}
